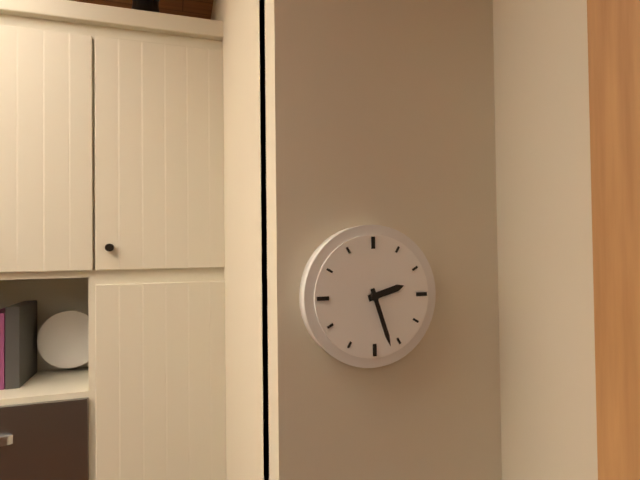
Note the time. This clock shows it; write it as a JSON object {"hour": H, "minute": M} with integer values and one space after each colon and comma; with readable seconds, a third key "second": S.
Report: {"hour": 2, "minute": 27}
